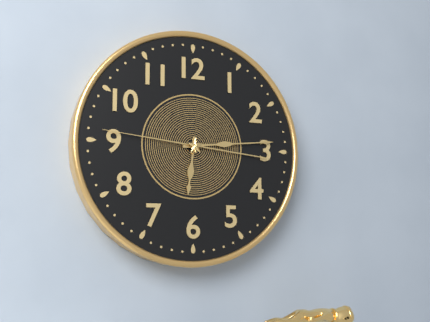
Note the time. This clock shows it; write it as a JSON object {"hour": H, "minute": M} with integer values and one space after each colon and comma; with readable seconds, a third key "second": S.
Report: {"hour": 6, "minute": 14, "second": 46}
